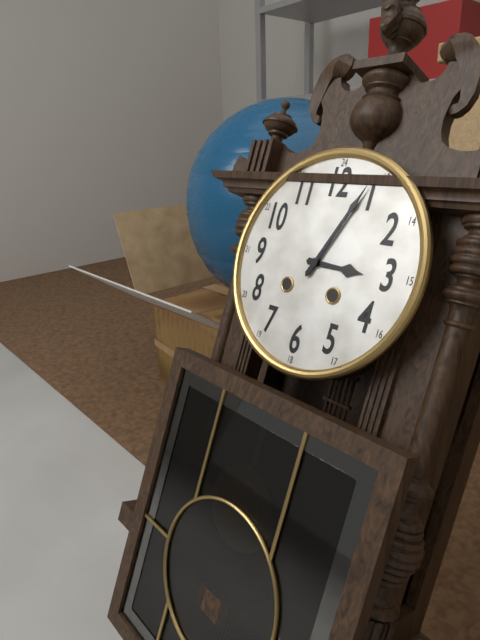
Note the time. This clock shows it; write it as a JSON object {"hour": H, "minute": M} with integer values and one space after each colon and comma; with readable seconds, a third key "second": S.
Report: {"hour": 3, "minute": 4}
